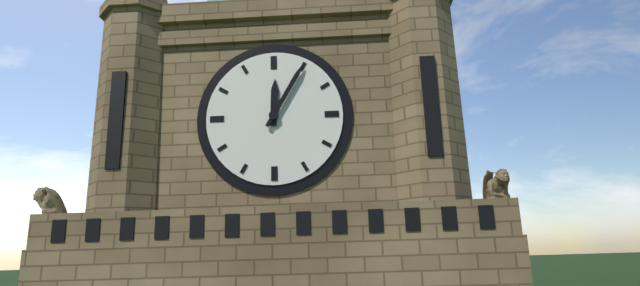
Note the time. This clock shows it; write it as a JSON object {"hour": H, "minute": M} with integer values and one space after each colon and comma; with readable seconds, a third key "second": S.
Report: {"hour": 12, "minute": 5}
